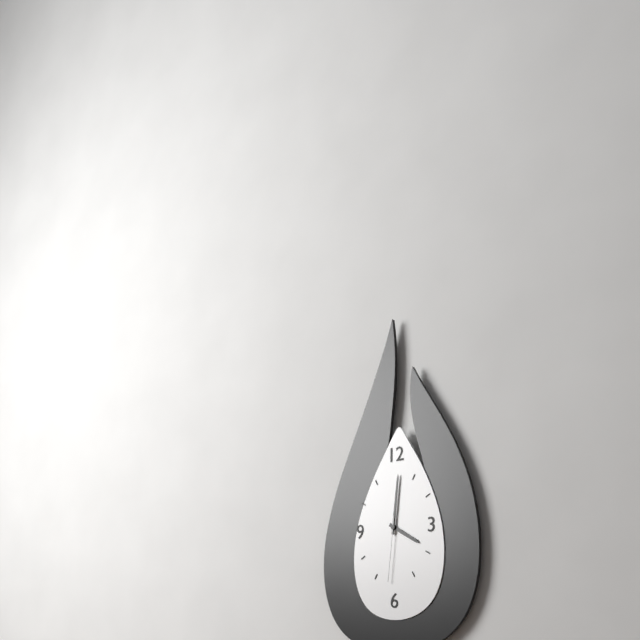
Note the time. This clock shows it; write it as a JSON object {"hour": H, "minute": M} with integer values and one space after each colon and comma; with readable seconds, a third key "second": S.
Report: {"hour": 4, "minute": 1, "second": 31}
